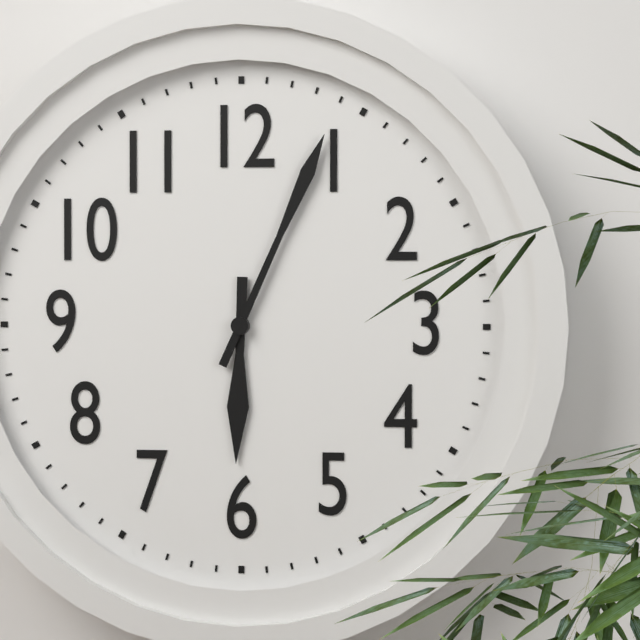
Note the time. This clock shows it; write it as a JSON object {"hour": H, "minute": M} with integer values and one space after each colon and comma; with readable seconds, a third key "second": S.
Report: {"hour": 6, "minute": 4}
